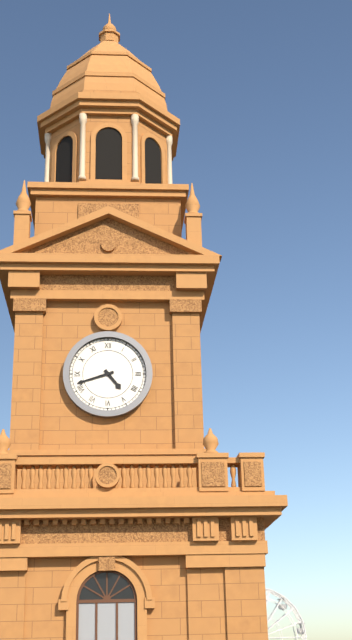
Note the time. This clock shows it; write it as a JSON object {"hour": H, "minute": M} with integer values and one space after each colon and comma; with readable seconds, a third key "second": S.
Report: {"hour": 4, "minute": 42}
